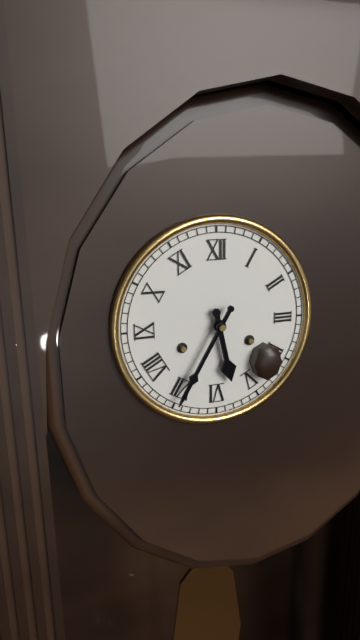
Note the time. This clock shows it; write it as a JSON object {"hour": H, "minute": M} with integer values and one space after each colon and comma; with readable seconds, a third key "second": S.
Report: {"hour": 5, "minute": 35}
